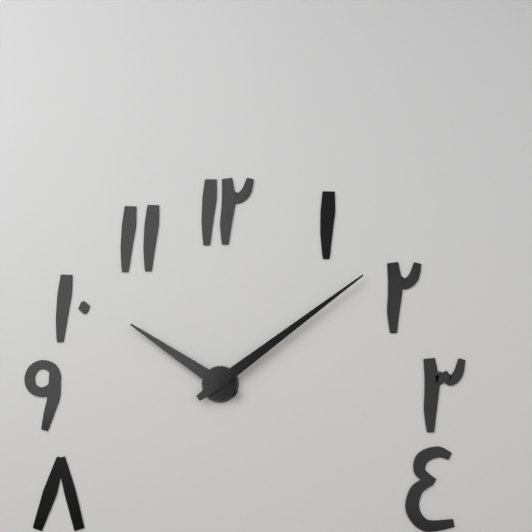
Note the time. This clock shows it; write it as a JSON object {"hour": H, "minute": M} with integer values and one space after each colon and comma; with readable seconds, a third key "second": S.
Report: {"hour": 10, "minute": 9}
